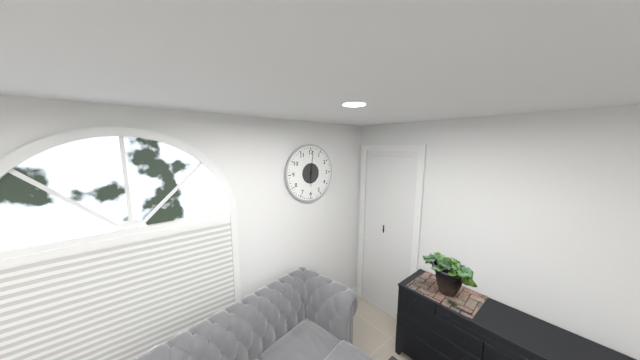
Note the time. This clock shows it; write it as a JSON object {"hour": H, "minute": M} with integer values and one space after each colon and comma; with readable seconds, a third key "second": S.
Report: {"hour": 6, "minute": 1}
